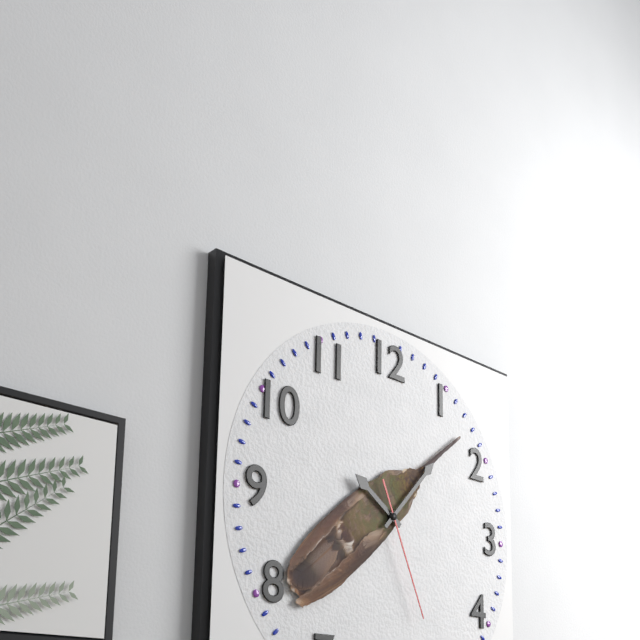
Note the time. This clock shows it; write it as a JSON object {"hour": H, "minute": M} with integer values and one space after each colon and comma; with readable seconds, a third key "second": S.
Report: {"hour": 10, "minute": 7, "second": 26}
